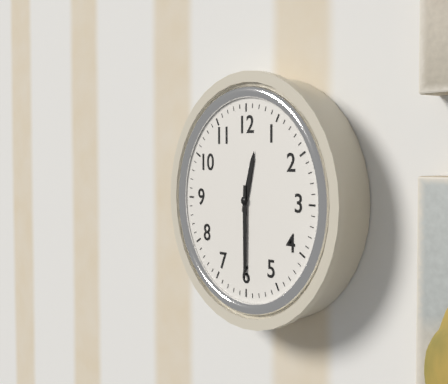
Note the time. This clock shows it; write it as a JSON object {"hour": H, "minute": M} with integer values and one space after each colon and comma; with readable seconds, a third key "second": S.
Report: {"hour": 12, "minute": 30}
